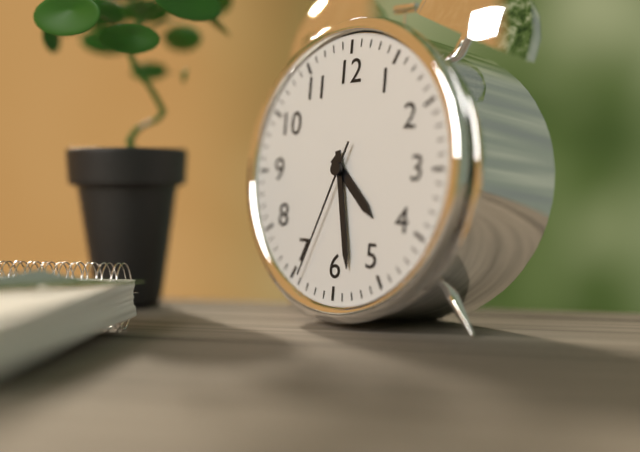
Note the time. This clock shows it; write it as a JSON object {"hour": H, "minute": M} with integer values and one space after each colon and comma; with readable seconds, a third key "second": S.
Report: {"hour": 4, "minute": 28, "second": 34}
